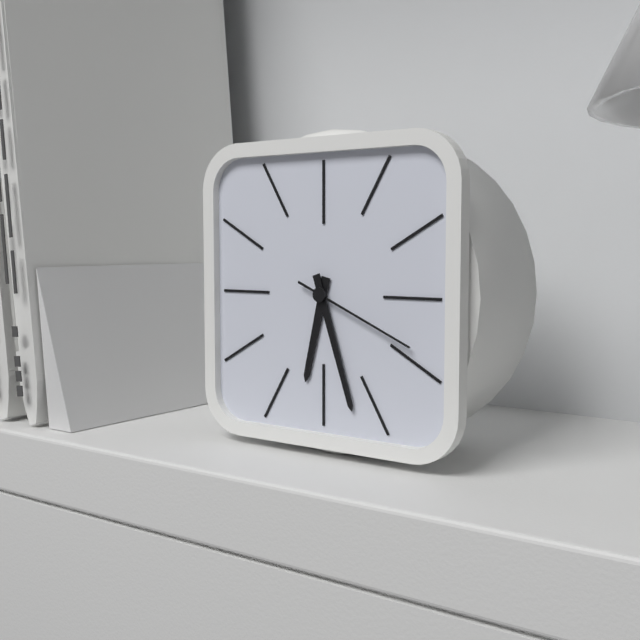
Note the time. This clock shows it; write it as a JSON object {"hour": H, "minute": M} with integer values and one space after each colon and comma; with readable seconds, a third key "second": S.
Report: {"hour": 6, "minute": 27, "second": 19}
